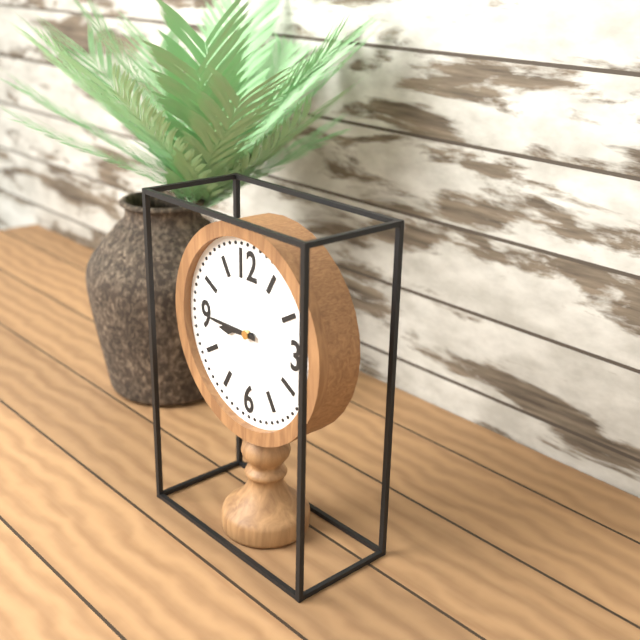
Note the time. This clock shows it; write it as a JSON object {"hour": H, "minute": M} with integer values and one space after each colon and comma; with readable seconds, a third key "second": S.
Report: {"hour": 8, "minute": 45}
